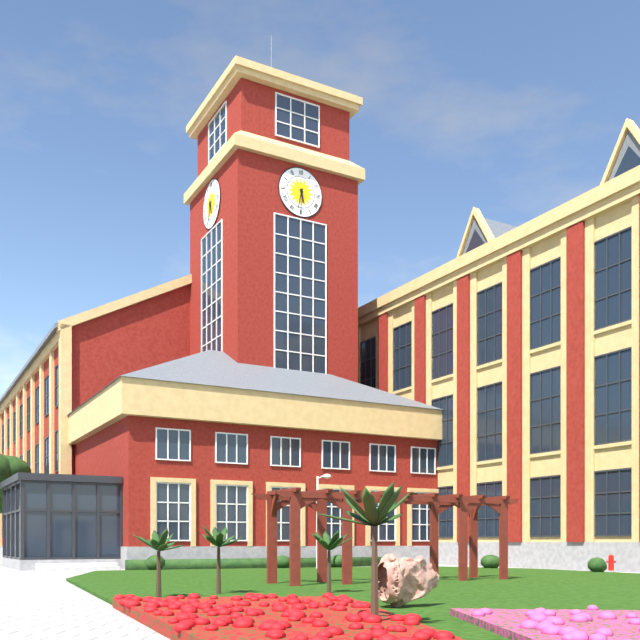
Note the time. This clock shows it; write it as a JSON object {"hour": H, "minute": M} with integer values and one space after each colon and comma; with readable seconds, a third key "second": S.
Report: {"hour": 5, "minute": 32}
